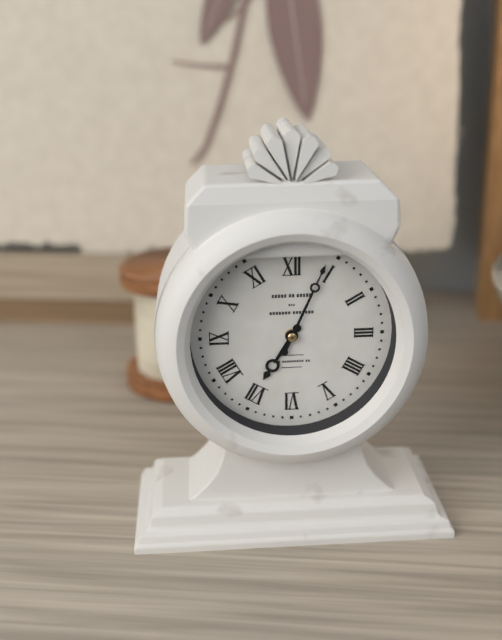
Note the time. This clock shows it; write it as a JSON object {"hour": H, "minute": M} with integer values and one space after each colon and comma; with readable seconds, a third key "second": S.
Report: {"hour": 7, "minute": 4}
